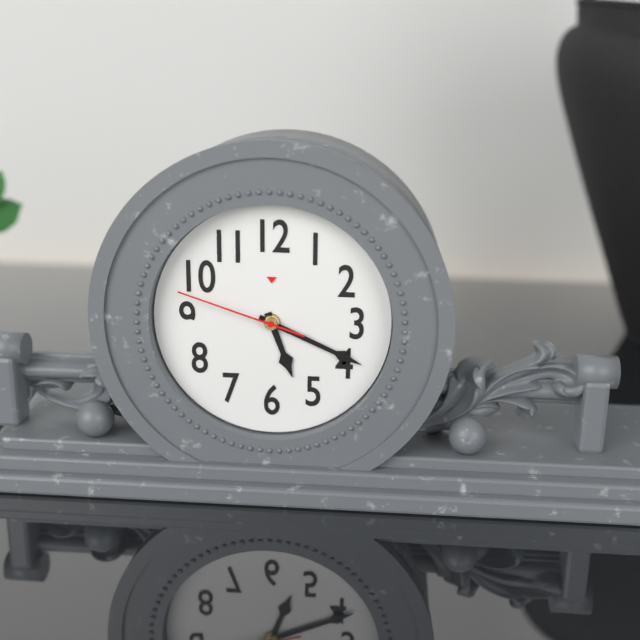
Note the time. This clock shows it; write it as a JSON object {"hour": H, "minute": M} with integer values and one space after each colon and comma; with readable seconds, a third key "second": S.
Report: {"hour": 5, "minute": 19, "second": 48}
